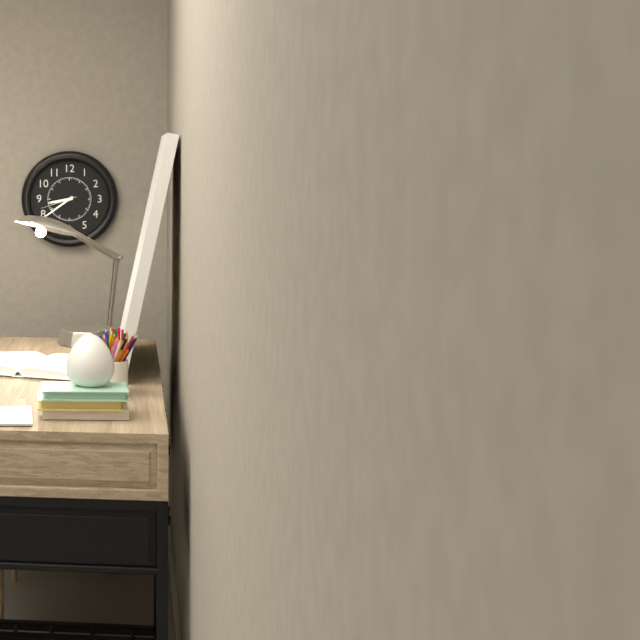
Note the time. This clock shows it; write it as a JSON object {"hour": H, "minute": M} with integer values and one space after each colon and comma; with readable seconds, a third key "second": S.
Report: {"hour": 8, "minute": 39}
